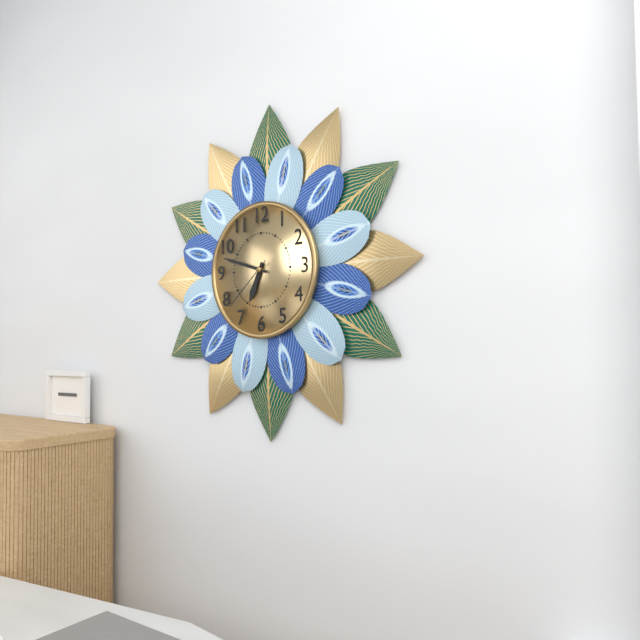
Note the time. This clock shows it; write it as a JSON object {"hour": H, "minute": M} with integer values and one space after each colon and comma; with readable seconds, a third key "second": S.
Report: {"hour": 6, "minute": 48, "second": 38}
